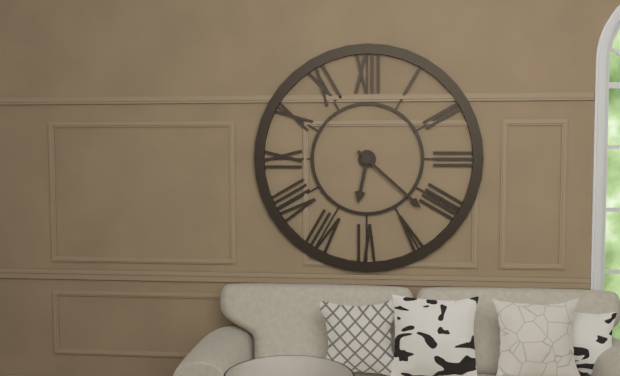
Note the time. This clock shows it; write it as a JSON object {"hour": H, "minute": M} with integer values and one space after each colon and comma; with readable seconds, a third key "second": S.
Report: {"hour": 6, "minute": 22}
